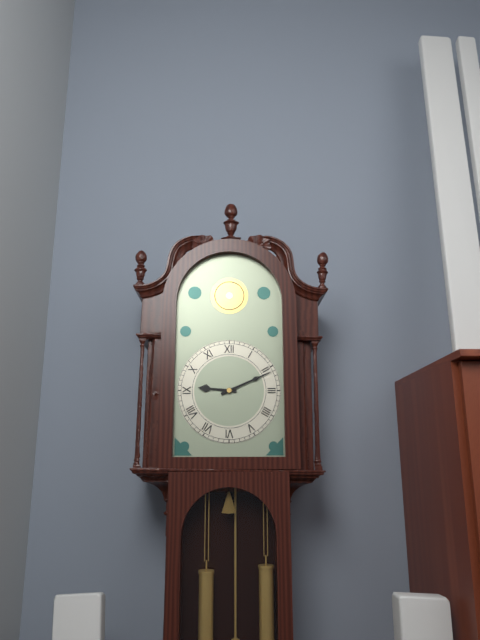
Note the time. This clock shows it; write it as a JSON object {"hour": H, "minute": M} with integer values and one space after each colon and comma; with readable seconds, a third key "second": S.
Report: {"hour": 9, "minute": 11}
